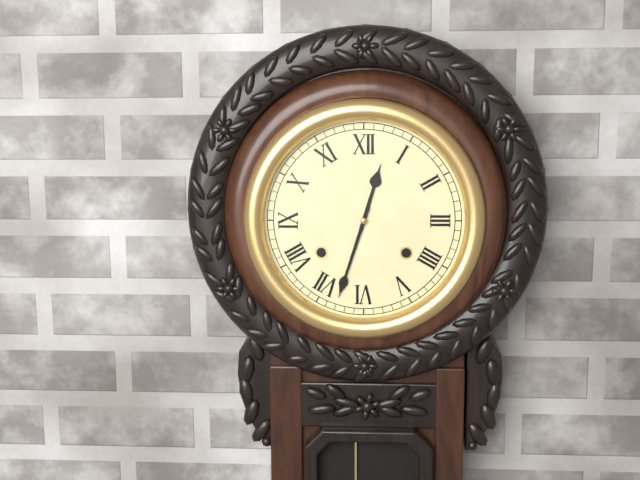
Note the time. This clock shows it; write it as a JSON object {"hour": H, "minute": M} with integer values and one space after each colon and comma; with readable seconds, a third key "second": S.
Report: {"hour": 12, "minute": 33}
